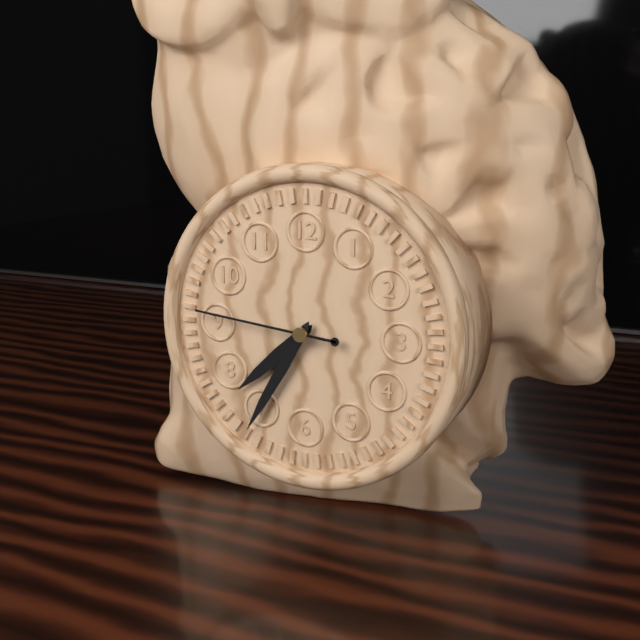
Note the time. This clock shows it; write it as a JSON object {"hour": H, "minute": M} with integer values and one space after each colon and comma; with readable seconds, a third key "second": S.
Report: {"hour": 7, "minute": 35, "second": 46}
